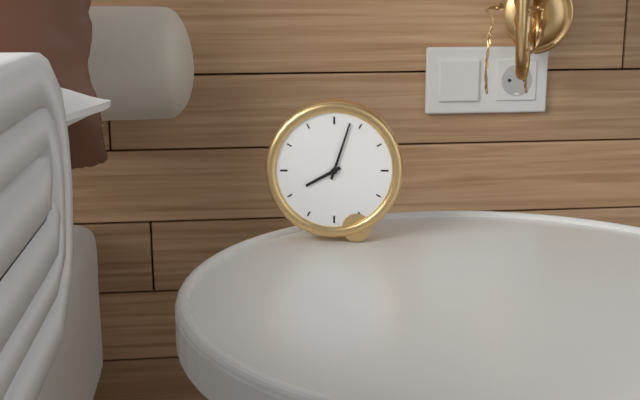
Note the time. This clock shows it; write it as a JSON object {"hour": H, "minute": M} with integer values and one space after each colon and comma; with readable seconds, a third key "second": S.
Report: {"hour": 8, "minute": 3}
